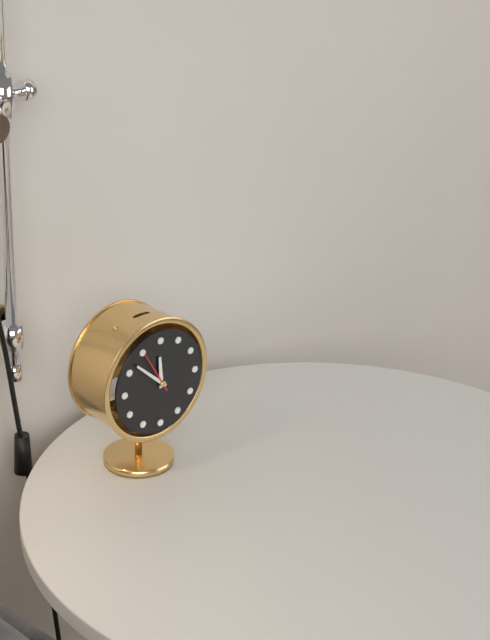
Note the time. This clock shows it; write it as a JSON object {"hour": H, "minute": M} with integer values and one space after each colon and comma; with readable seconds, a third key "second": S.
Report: {"hour": 11, "minute": 52}
